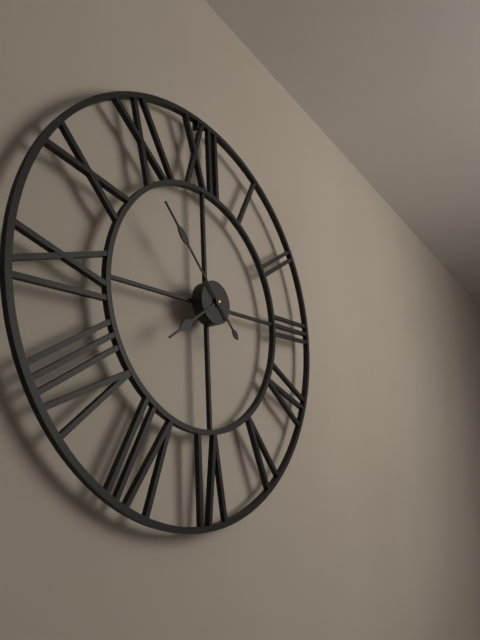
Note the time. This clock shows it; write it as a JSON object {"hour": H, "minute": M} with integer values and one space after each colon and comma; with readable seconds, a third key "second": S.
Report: {"hour": 7, "minute": 53}
